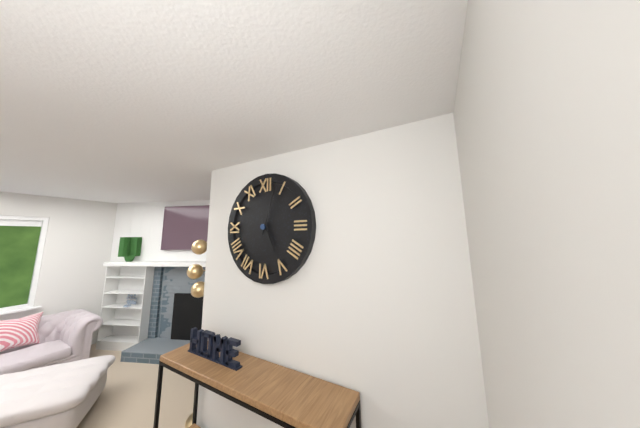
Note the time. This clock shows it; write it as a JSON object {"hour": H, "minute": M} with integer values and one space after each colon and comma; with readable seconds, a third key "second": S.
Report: {"hour": 5, "minute": 3}
